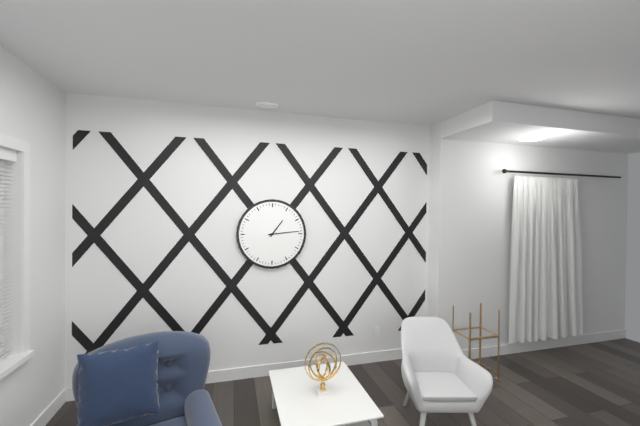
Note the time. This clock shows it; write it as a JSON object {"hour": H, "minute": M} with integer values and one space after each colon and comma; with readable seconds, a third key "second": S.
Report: {"hour": 1, "minute": 14}
